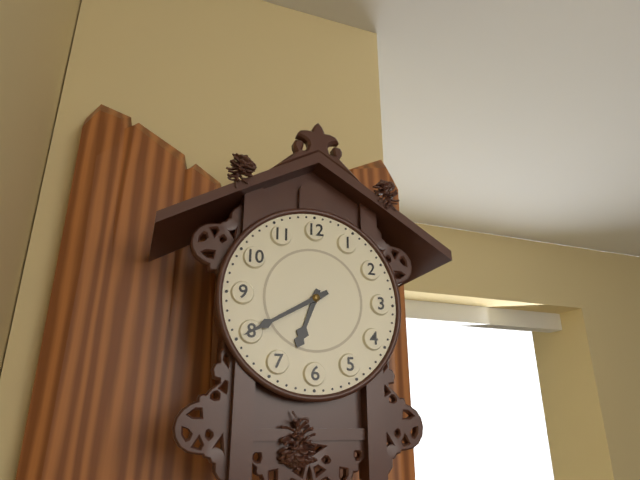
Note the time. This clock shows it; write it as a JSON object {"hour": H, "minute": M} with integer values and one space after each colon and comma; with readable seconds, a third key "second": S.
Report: {"hour": 6, "minute": 40}
